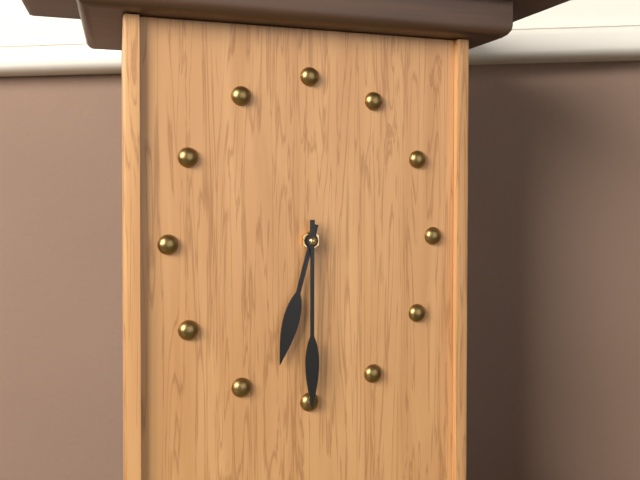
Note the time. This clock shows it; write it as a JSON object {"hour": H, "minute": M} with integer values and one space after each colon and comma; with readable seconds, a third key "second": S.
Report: {"hour": 6, "minute": 30}
